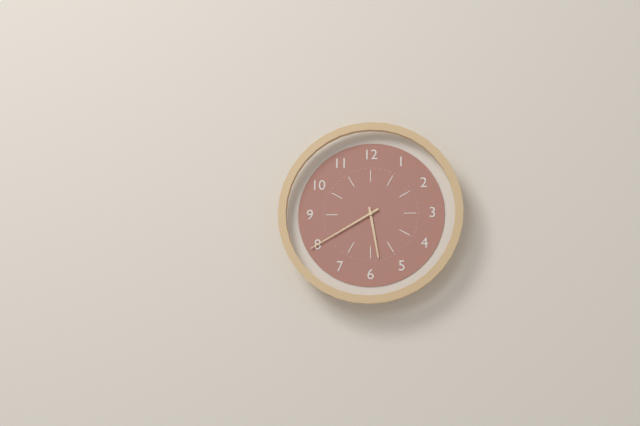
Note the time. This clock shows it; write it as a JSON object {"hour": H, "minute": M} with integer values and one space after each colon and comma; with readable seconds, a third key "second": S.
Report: {"hour": 5, "minute": 40}
